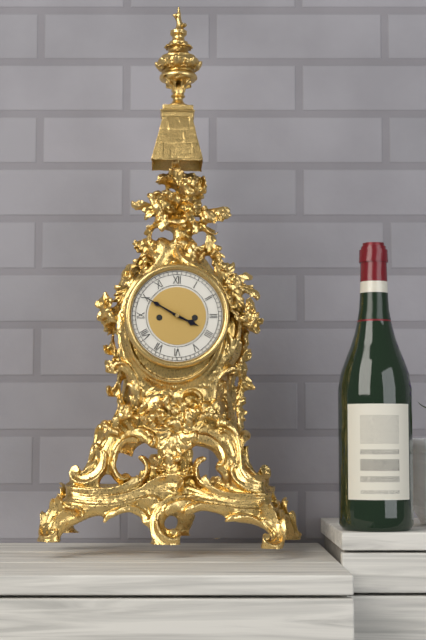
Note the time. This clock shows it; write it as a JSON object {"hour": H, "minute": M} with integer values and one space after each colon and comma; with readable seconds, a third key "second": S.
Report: {"hour": 3, "minute": 50}
